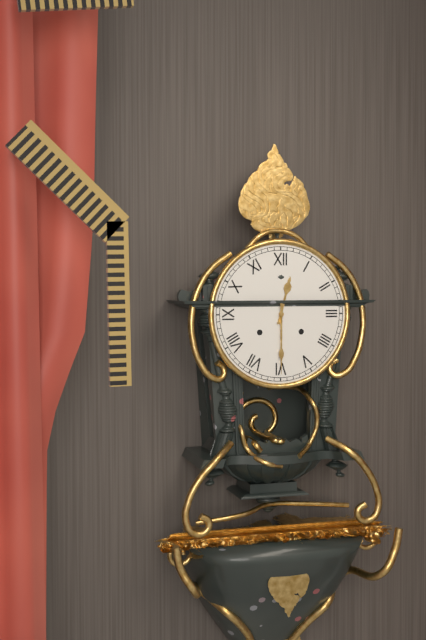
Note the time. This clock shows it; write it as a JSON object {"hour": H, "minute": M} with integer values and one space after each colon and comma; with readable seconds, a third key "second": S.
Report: {"hour": 12, "minute": 30}
